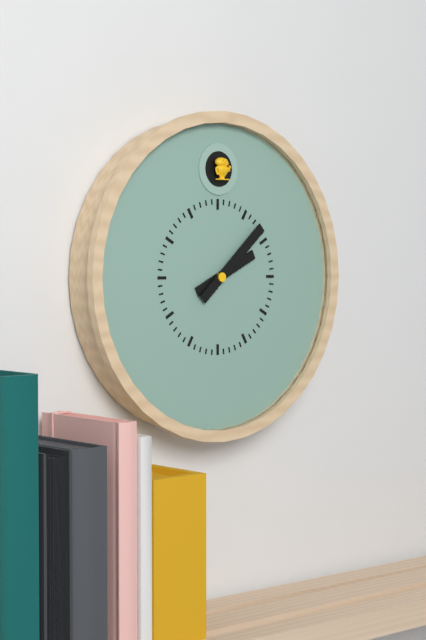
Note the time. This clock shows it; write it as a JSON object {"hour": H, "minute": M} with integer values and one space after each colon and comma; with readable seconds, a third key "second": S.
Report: {"hour": 2, "minute": 8}
